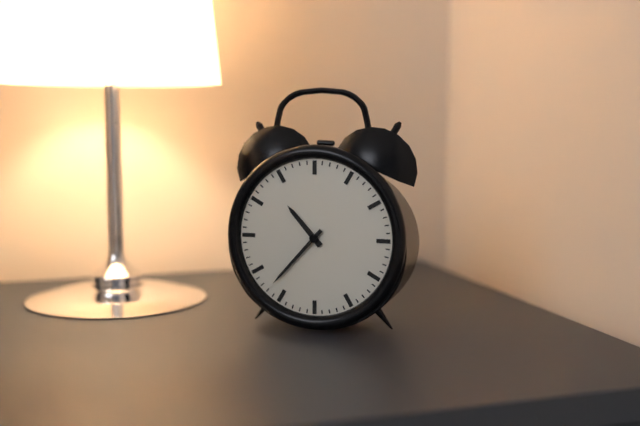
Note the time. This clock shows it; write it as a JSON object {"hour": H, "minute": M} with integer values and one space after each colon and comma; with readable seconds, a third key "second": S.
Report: {"hour": 10, "minute": 37}
